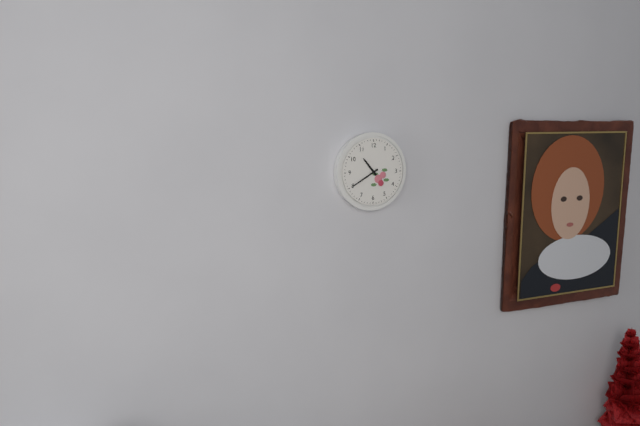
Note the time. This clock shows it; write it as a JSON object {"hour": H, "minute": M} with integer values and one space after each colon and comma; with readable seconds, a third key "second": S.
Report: {"hour": 10, "minute": 40}
